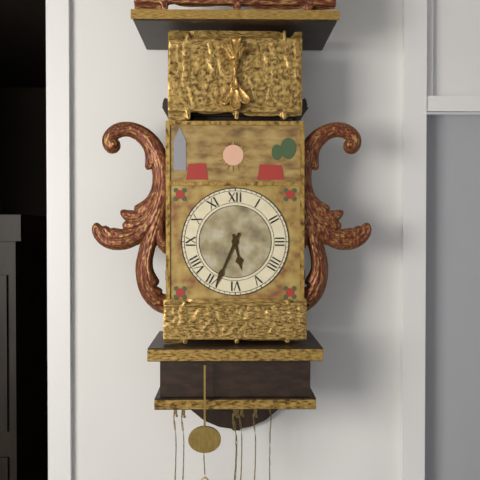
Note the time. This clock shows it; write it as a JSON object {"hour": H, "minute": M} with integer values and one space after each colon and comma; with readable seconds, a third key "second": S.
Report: {"hour": 5, "minute": 34}
